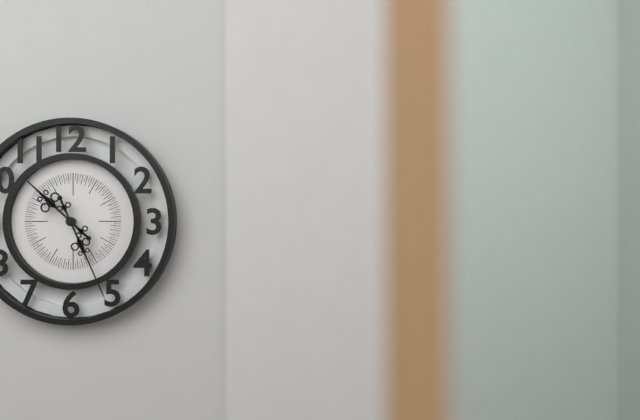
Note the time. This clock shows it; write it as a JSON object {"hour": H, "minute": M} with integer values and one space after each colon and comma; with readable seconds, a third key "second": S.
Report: {"hour": 10, "minute": 26}
